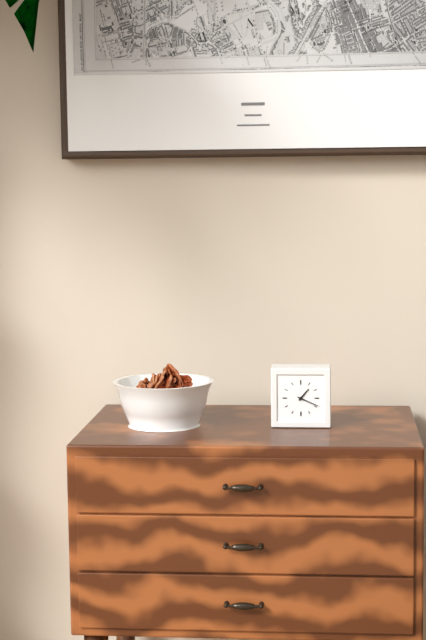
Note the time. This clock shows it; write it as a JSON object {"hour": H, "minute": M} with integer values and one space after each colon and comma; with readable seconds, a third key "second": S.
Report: {"hour": 1, "minute": 19}
